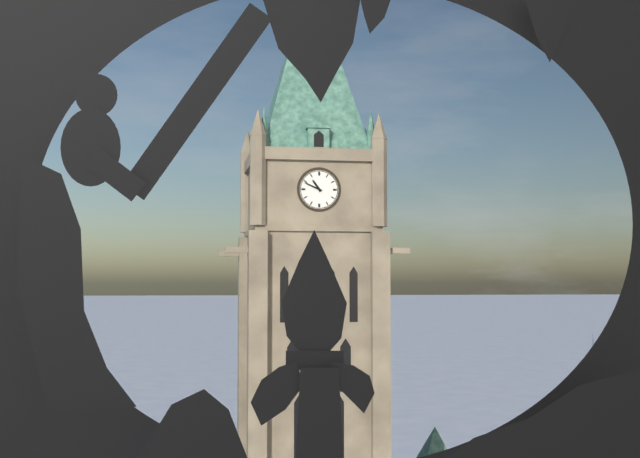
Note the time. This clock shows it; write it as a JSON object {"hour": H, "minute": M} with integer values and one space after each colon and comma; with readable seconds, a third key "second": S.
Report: {"hour": 10, "minute": 49}
